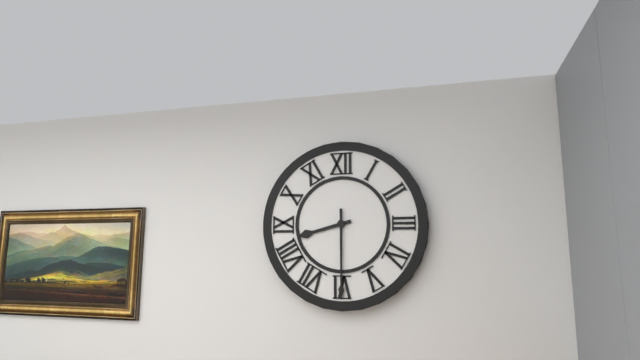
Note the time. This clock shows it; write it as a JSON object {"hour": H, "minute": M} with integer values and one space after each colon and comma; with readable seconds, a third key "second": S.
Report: {"hour": 8, "minute": 30}
